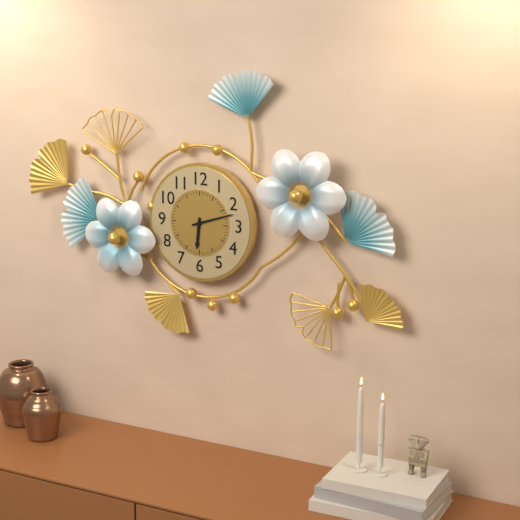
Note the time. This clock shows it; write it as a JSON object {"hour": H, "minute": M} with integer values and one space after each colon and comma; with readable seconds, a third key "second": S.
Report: {"hour": 6, "minute": 12}
